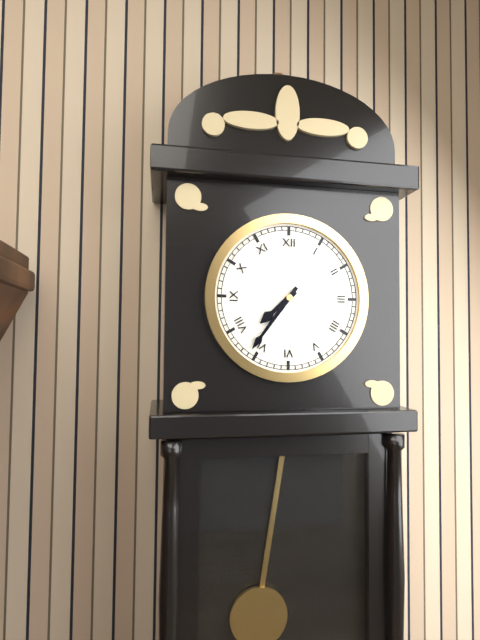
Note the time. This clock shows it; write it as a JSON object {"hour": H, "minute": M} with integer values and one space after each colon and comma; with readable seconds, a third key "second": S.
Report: {"hour": 7, "minute": 36}
